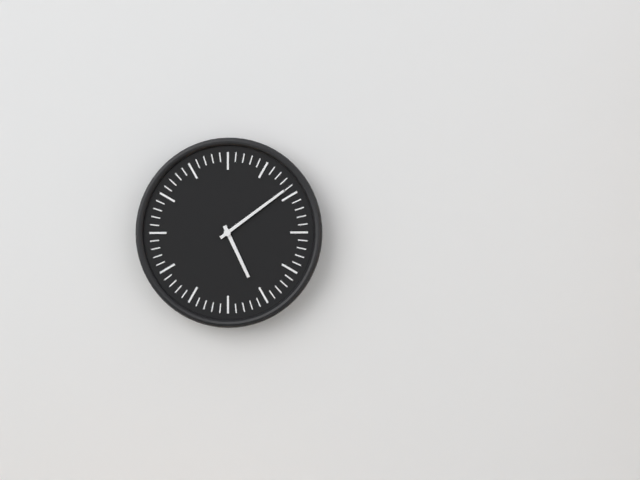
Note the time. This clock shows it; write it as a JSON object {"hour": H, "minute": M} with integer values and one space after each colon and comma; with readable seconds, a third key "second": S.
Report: {"hour": 5, "minute": 9}
